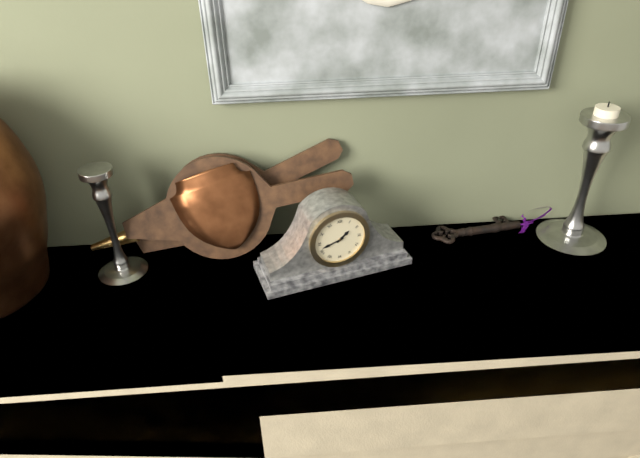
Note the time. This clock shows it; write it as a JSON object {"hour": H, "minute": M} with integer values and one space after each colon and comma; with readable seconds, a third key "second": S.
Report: {"hour": 1, "minute": 42}
